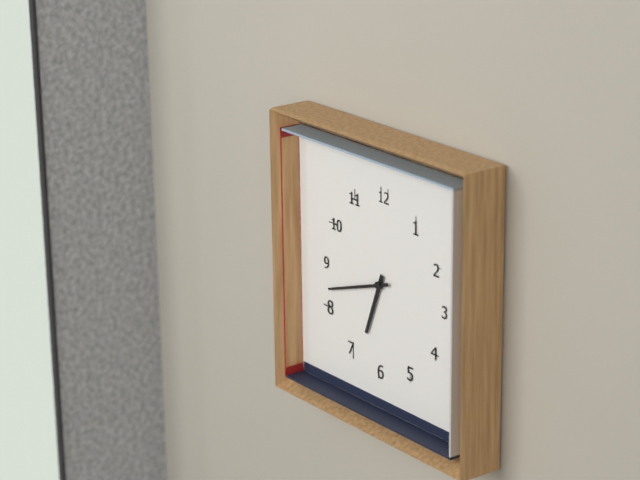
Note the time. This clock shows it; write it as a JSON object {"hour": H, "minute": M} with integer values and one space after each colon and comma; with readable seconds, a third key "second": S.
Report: {"hour": 6, "minute": 42}
